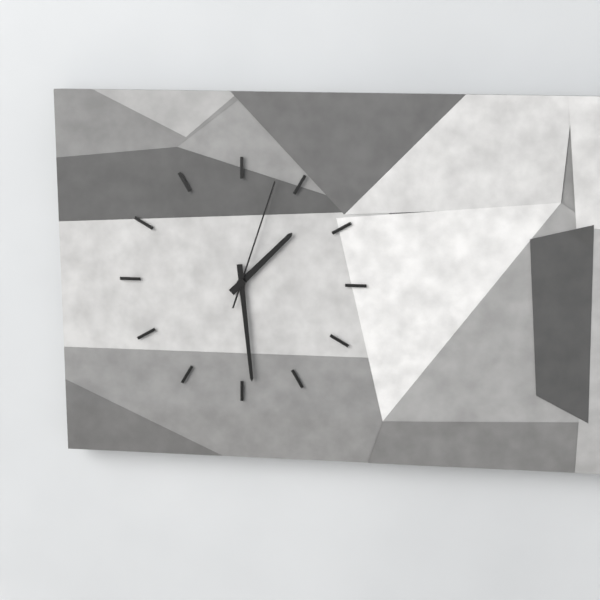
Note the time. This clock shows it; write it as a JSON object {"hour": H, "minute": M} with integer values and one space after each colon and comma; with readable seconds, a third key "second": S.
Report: {"hour": 1, "minute": 29, "second": 3}
